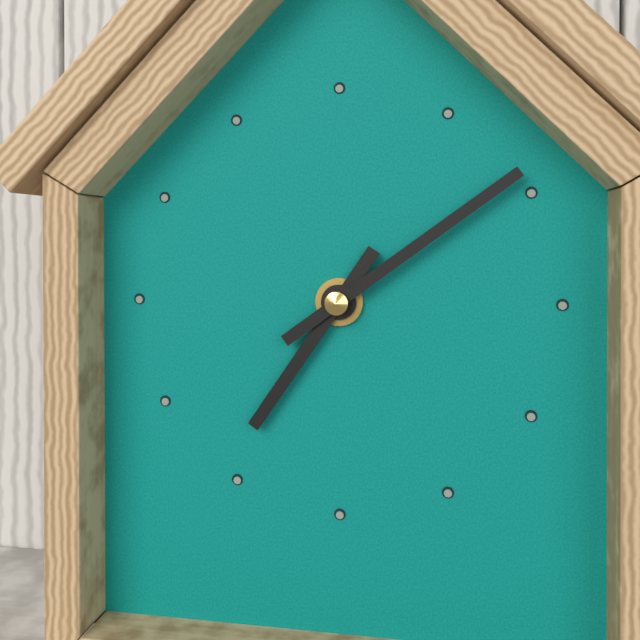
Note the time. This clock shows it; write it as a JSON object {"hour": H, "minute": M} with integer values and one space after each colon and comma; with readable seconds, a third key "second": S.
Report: {"hour": 7, "minute": 9}
